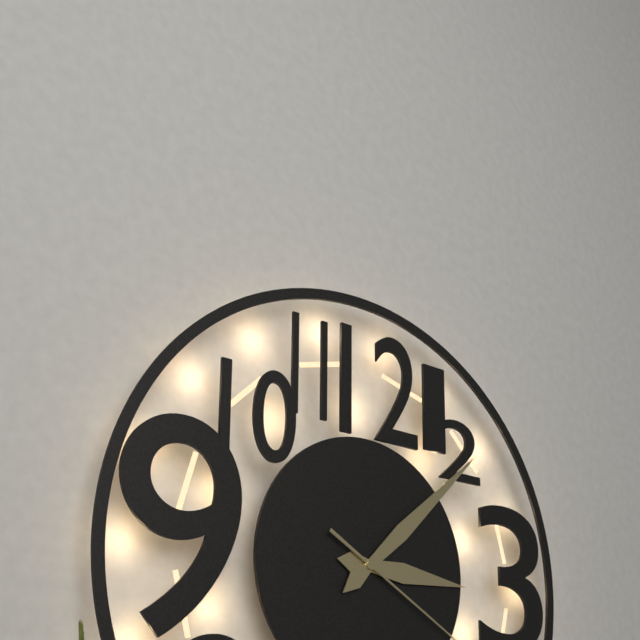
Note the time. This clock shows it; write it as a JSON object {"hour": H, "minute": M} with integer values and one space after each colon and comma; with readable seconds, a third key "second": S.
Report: {"hour": 3, "minute": 8}
